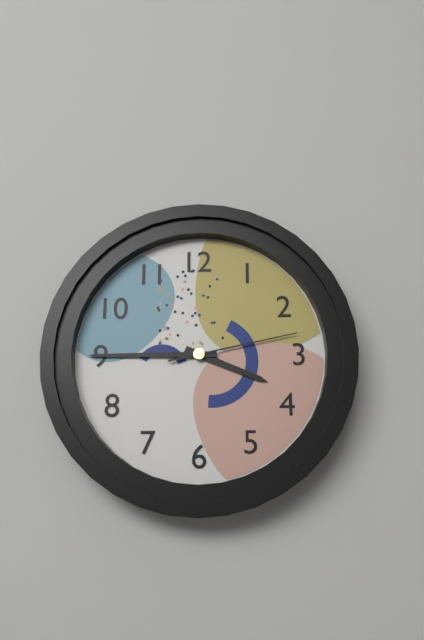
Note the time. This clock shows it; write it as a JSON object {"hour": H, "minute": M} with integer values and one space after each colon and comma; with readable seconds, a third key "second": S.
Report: {"hour": 3, "minute": 45, "second": 13}
